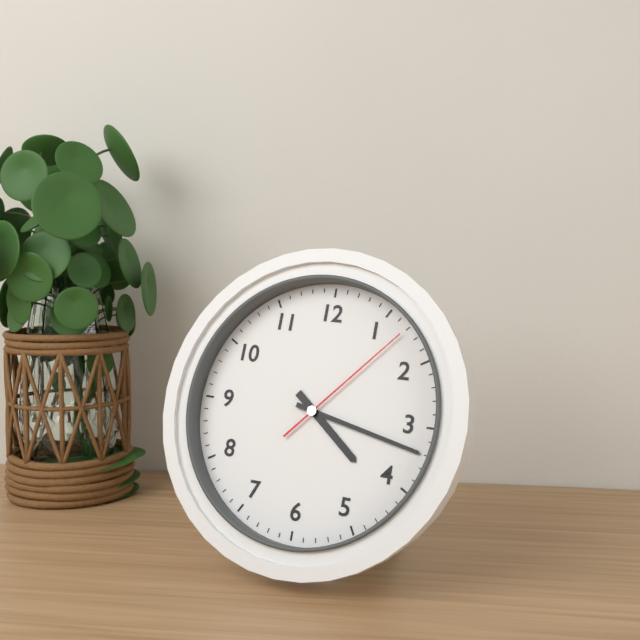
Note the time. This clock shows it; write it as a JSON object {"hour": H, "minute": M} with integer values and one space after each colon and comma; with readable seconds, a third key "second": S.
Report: {"hour": 4, "minute": 17, "second": 7}
